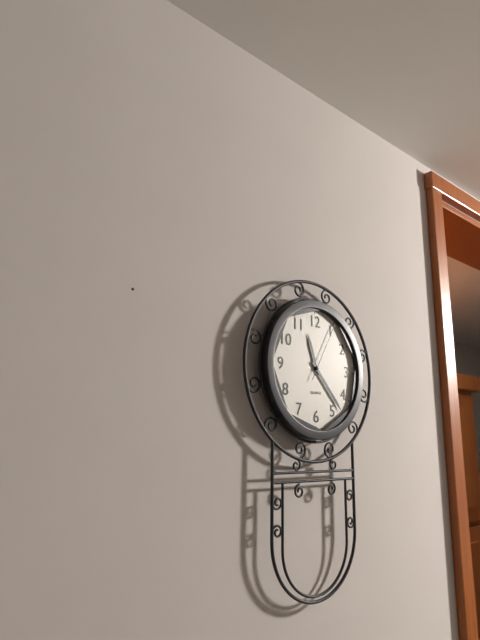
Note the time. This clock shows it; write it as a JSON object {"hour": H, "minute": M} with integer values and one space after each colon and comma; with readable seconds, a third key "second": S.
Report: {"hour": 11, "minute": 23, "second": 5}
